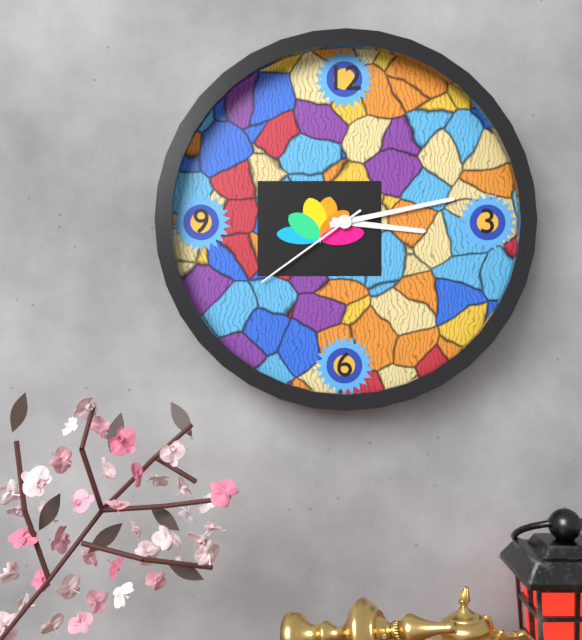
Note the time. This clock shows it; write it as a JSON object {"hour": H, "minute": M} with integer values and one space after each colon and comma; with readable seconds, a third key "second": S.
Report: {"hour": 3, "minute": 13, "second": 39}
